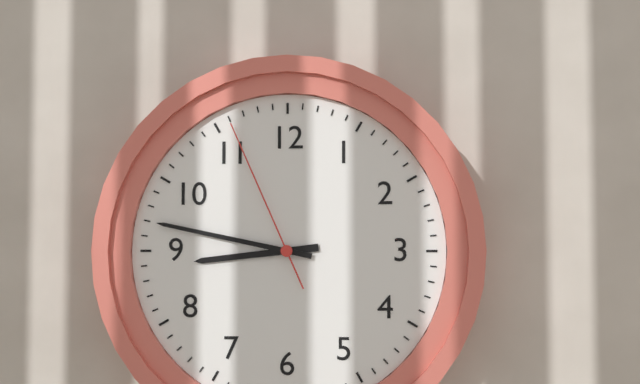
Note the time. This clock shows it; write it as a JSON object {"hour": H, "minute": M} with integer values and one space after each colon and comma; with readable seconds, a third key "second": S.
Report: {"hour": 8, "minute": 47, "second": 56}
